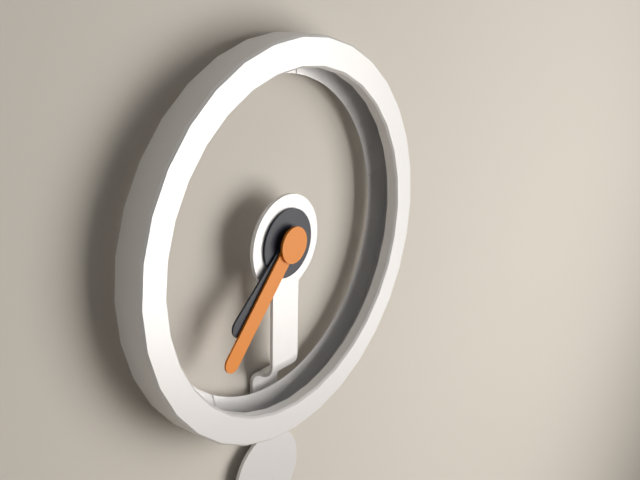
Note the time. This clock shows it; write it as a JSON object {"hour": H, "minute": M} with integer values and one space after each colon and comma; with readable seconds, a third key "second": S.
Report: {"hour": 7, "minute": 37}
